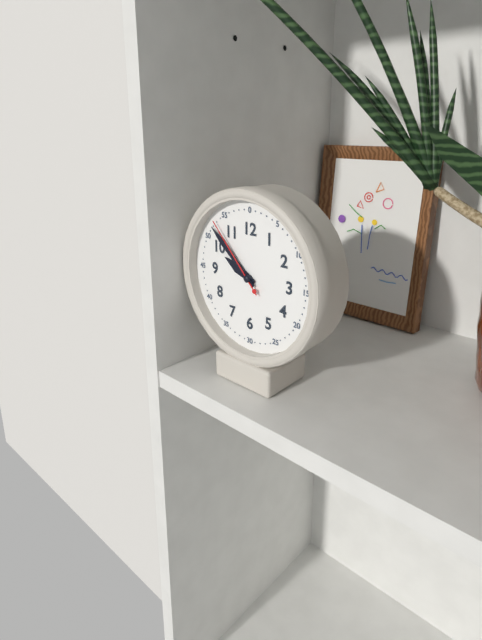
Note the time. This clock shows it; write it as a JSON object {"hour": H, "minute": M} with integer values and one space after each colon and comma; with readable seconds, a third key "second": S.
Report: {"hour": 9, "minute": 52, "second": 53}
